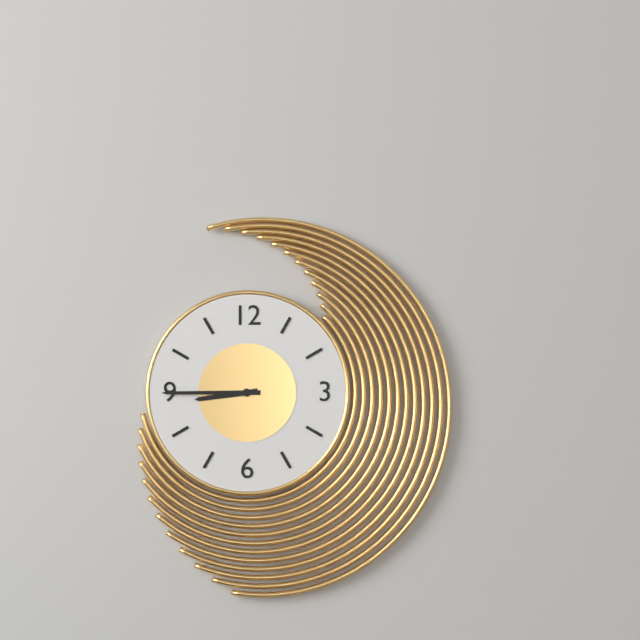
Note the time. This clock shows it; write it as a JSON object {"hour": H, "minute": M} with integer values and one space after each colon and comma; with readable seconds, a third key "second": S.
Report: {"hour": 8, "minute": 45}
